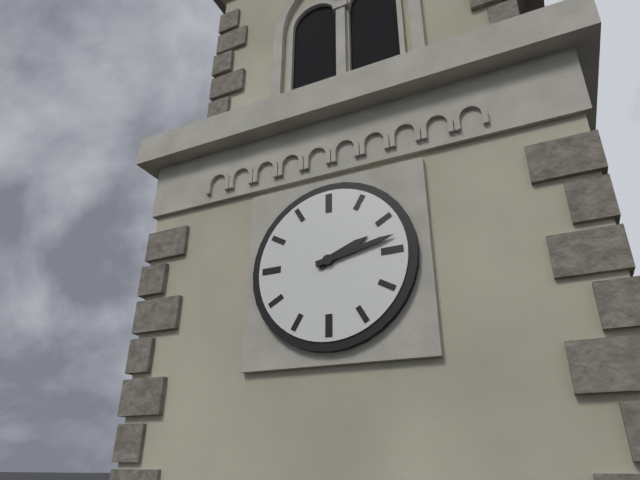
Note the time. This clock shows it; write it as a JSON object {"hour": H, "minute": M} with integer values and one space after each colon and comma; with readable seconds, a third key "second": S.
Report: {"hour": 2, "minute": 13}
